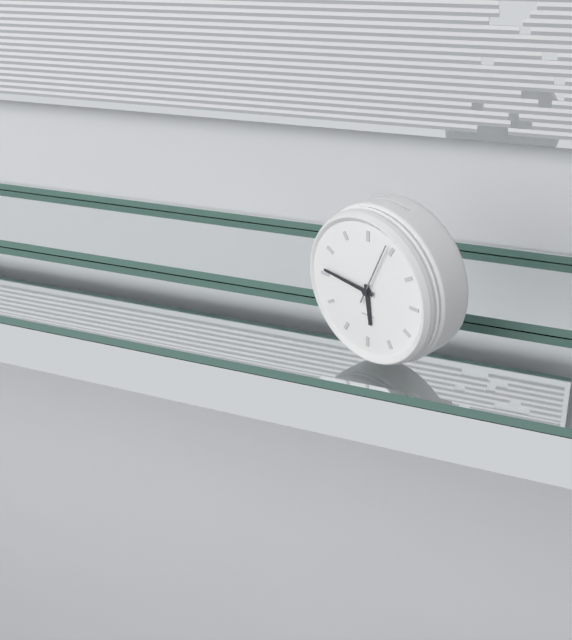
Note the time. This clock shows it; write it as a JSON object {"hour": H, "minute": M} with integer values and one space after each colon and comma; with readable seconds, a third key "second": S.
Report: {"hour": 5, "minute": 46, "second": 4}
